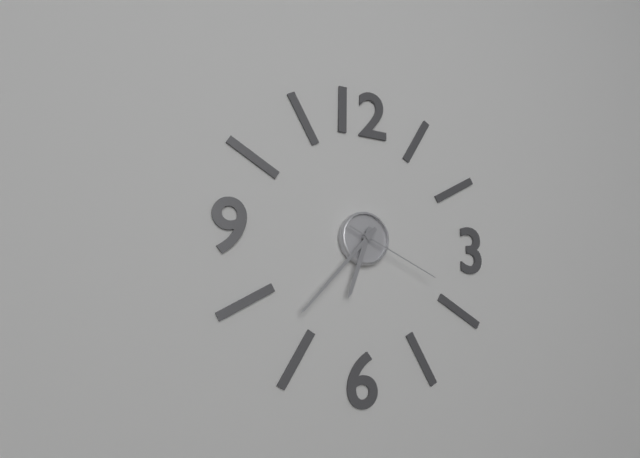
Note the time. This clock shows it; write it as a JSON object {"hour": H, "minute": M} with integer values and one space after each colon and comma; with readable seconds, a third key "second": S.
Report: {"hour": 6, "minute": 37, "second": 19}
